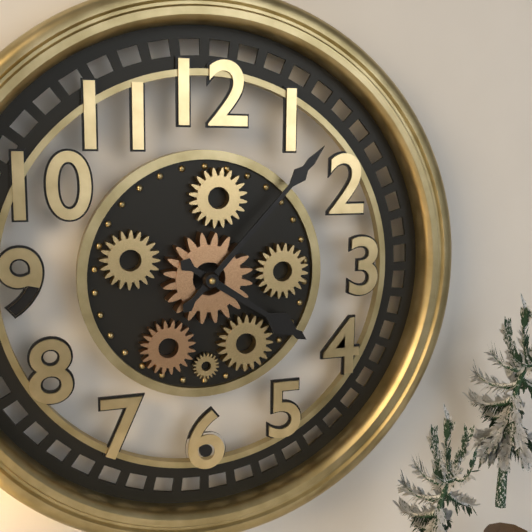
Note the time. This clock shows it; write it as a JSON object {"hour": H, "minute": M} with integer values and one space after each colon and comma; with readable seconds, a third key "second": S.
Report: {"hour": 4, "minute": 7}
